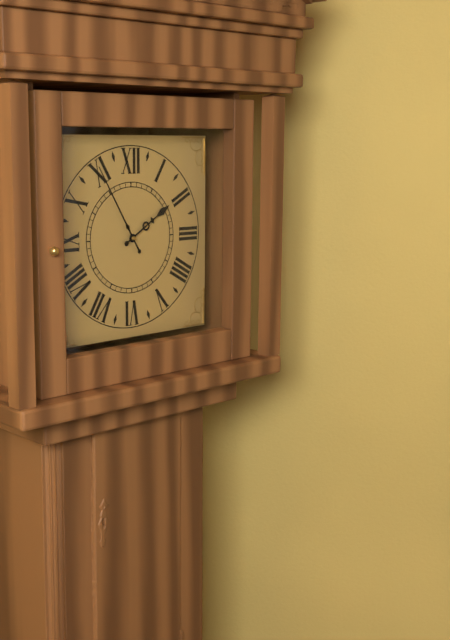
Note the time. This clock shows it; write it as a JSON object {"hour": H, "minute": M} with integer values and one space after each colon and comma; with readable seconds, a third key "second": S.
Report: {"hour": 1, "minute": 55}
